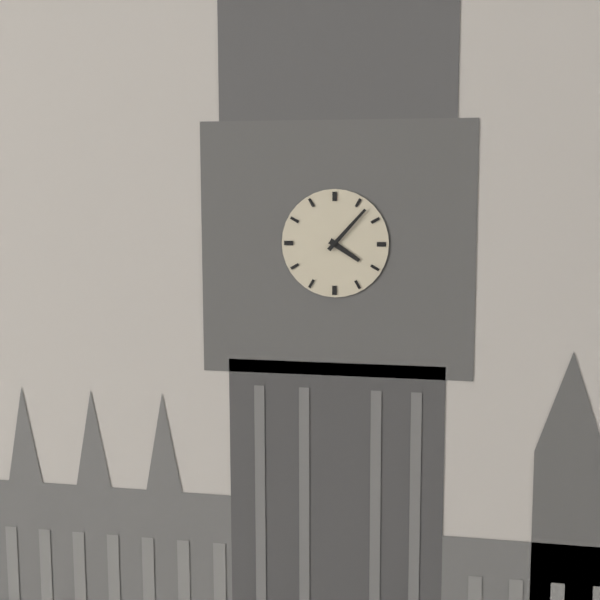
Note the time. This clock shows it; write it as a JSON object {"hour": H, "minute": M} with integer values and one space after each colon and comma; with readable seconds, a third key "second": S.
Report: {"hour": 4, "minute": 7}
